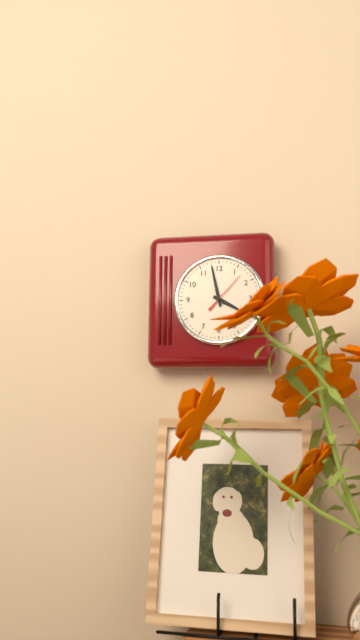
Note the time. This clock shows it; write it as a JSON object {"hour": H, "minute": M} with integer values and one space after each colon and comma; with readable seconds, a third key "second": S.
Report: {"hour": 3, "minute": 58}
